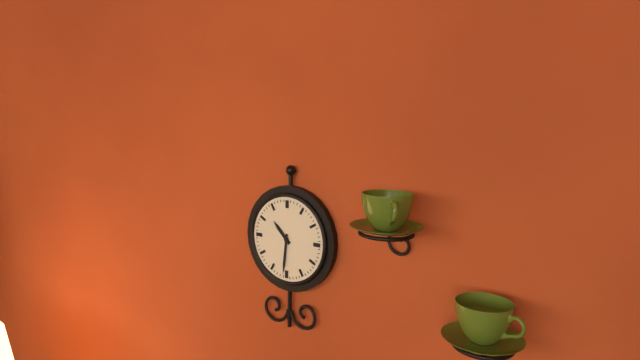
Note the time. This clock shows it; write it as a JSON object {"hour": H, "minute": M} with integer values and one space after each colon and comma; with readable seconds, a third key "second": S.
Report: {"hour": 10, "minute": 31}
